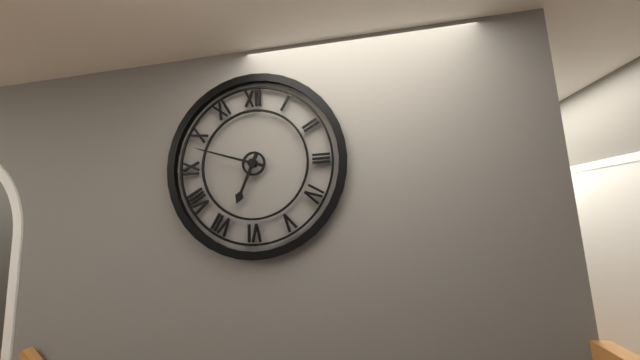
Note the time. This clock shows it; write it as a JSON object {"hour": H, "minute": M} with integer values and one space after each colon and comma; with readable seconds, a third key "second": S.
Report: {"hour": 6, "minute": 48}
